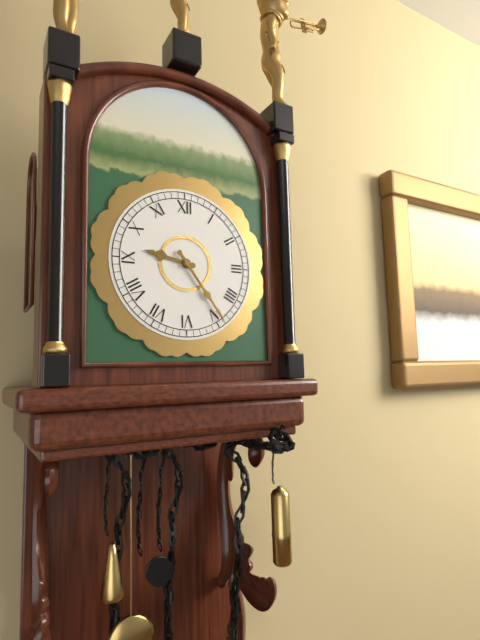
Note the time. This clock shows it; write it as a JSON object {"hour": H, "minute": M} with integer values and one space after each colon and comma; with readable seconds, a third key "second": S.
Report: {"hour": 9, "minute": 24}
